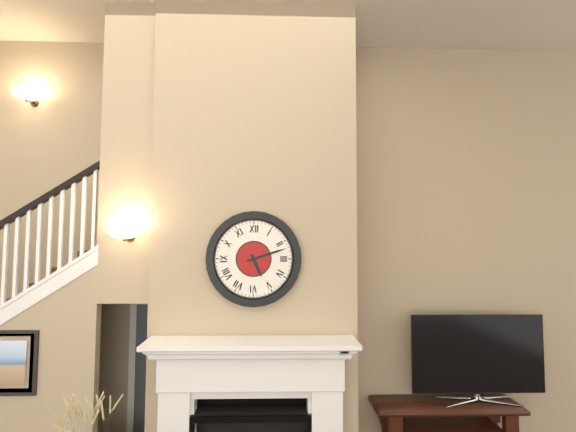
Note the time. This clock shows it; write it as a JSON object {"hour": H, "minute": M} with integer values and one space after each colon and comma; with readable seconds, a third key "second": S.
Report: {"hour": 5, "minute": 12}
